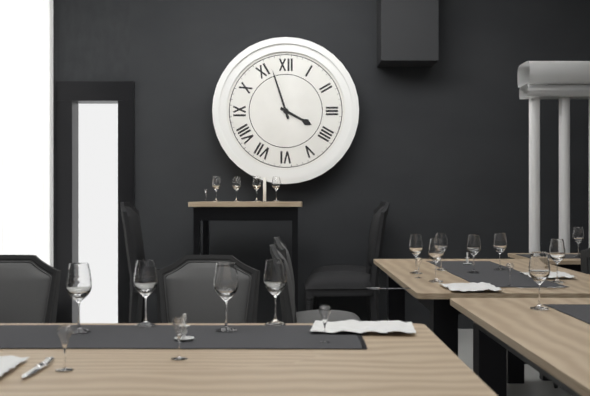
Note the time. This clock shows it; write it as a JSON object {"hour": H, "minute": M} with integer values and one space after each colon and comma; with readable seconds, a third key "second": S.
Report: {"hour": 3, "minute": 57}
